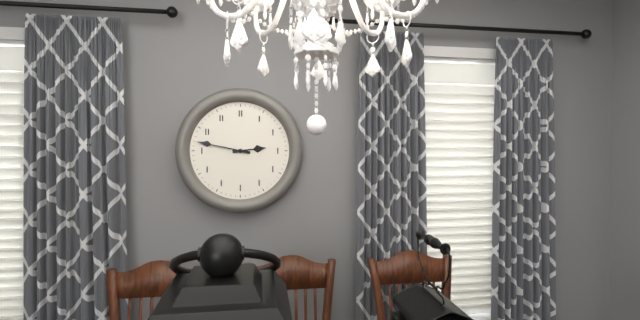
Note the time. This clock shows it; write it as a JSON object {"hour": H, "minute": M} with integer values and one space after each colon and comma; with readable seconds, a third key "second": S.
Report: {"hour": 2, "minute": 47}
